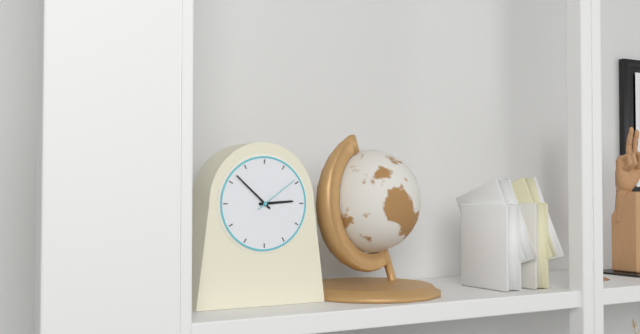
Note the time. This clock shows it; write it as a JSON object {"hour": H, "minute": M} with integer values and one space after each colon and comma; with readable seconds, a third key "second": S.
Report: {"hour": 2, "minute": 52}
